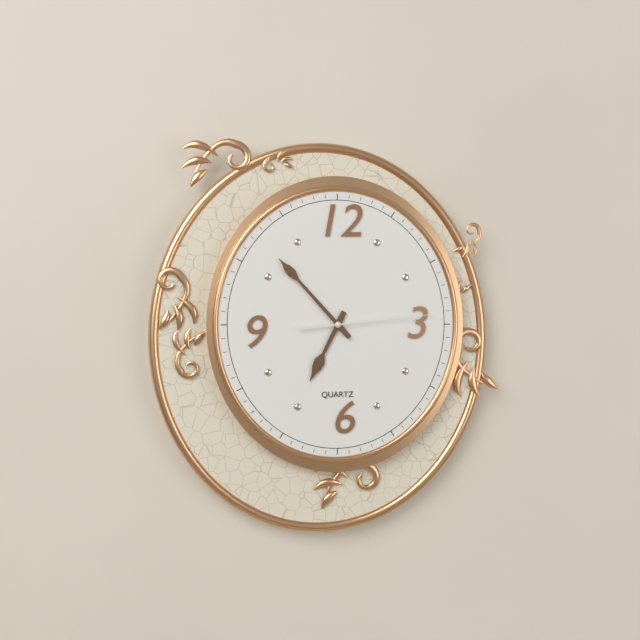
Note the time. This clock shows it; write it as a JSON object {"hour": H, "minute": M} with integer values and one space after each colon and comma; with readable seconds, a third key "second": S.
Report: {"hour": 6, "minute": 53, "second": 14}
